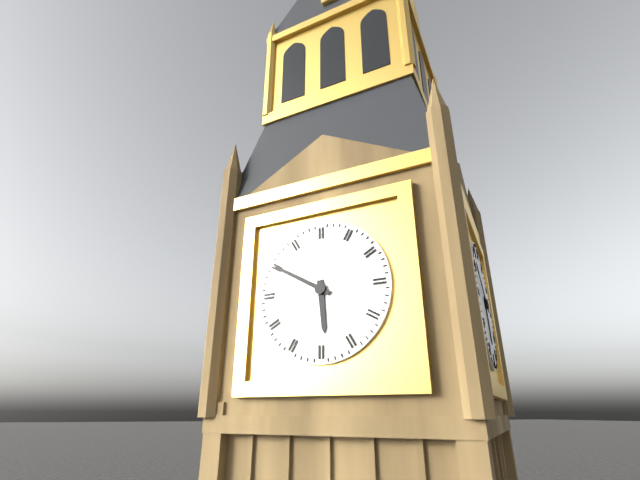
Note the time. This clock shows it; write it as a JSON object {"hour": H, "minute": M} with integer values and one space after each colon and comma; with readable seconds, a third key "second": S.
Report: {"hour": 5, "minute": 50}
